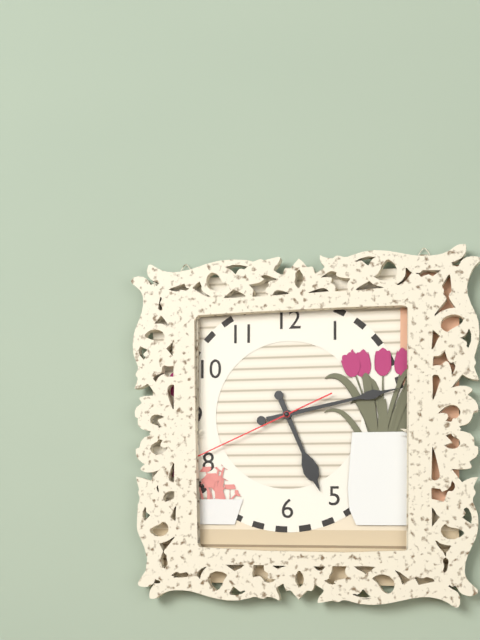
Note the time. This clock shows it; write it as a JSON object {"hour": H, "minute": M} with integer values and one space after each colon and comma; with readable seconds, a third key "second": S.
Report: {"hour": 5, "minute": 13, "second": 41}
